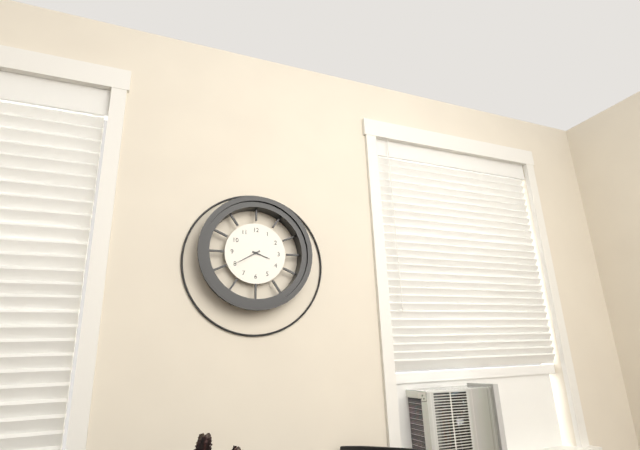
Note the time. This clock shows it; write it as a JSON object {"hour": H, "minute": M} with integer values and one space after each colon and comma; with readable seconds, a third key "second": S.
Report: {"hour": 3, "minute": 40}
